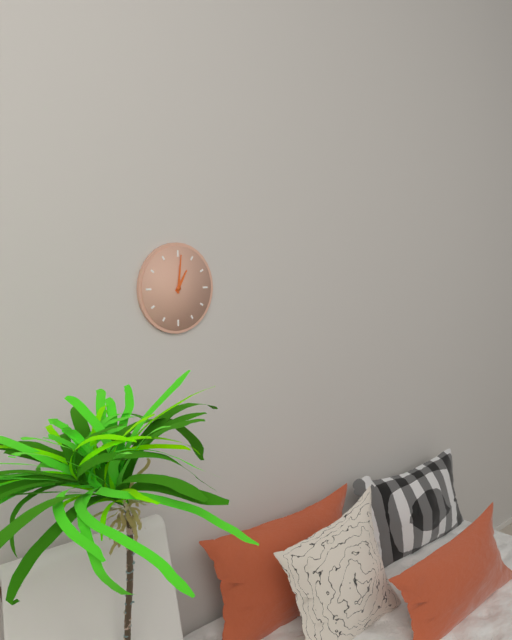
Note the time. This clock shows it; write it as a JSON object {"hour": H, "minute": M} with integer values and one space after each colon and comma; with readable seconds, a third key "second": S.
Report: {"hour": 1, "minute": 1}
